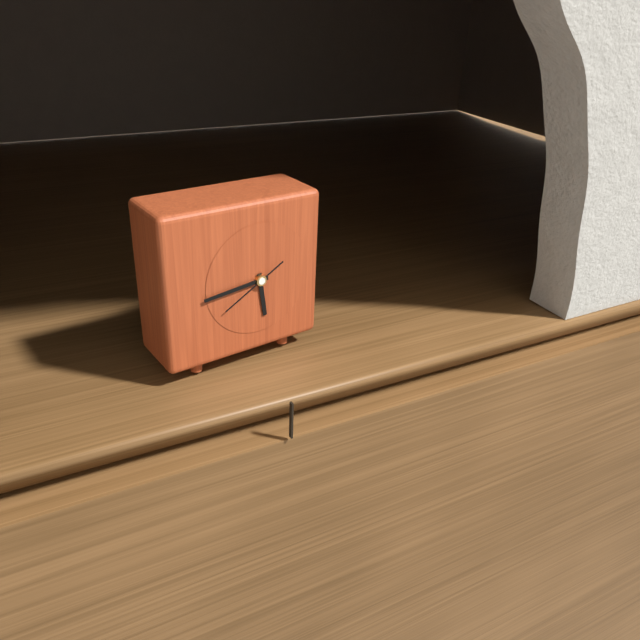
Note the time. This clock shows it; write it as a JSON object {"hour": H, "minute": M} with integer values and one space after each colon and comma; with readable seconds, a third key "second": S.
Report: {"hour": 5, "minute": 44, "second": 40}
